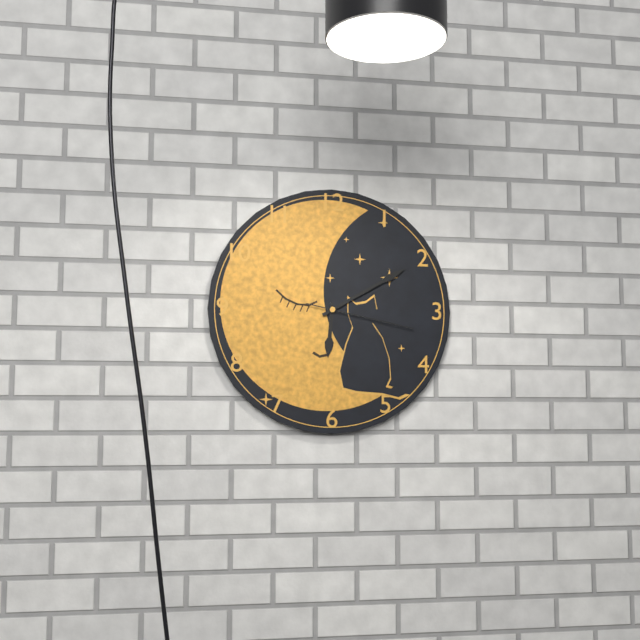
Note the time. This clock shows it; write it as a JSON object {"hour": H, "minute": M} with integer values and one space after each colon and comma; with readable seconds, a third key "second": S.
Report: {"hour": 6, "minute": 10, "second": 17}
